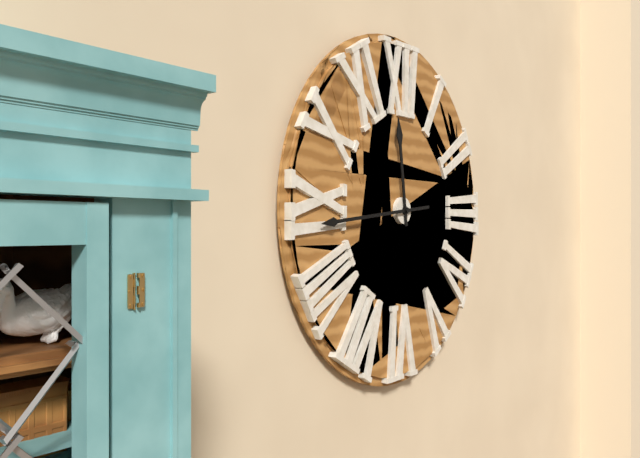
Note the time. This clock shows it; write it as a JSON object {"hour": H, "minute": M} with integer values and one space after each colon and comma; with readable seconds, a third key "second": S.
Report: {"hour": 11, "minute": 44}
